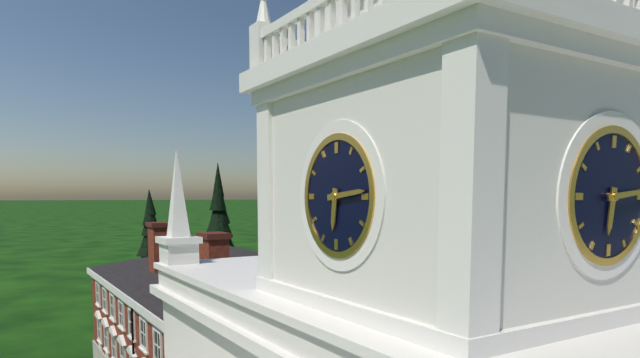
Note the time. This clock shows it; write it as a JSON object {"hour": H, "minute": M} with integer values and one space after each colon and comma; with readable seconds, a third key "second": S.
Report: {"hour": 6, "minute": 14}
